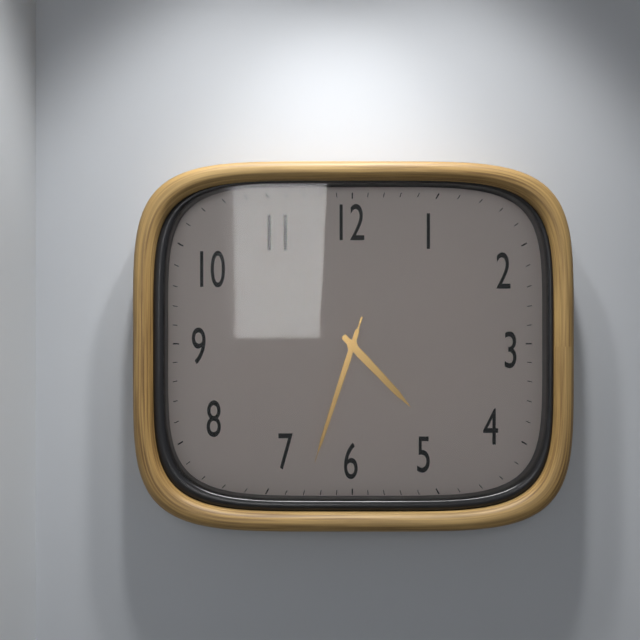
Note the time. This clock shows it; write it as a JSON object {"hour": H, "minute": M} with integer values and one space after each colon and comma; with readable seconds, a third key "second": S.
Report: {"hour": 4, "minute": 33, "second": 33}
